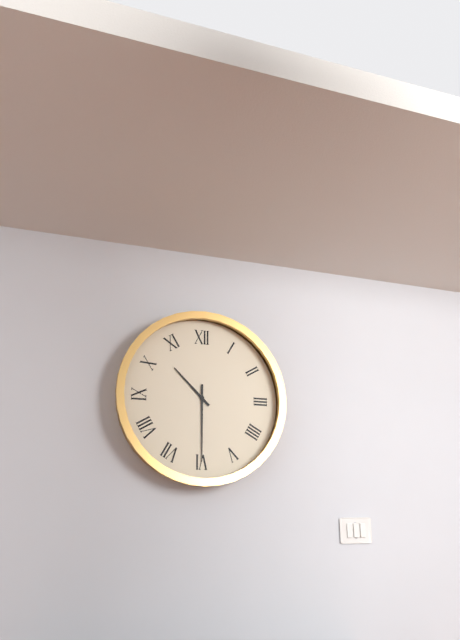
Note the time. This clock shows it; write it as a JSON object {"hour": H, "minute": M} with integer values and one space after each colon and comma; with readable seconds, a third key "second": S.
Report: {"hour": 10, "minute": 30}
